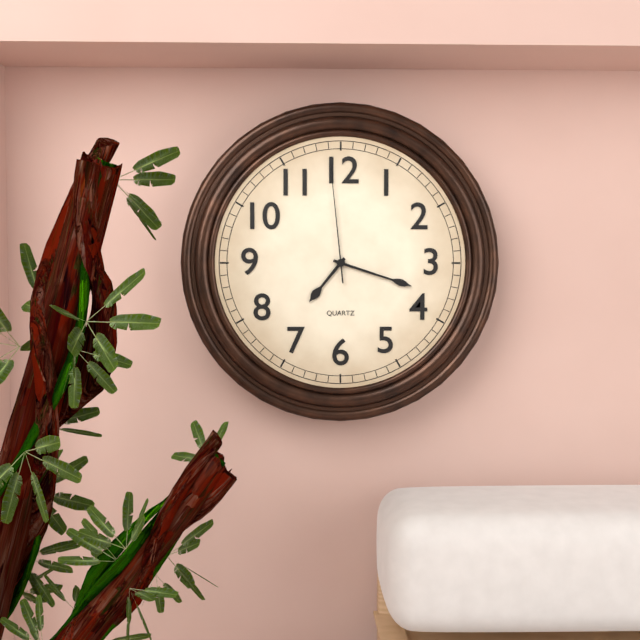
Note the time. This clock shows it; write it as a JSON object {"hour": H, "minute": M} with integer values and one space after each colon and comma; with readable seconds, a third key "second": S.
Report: {"hour": 7, "minute": 18, "second": 59}
